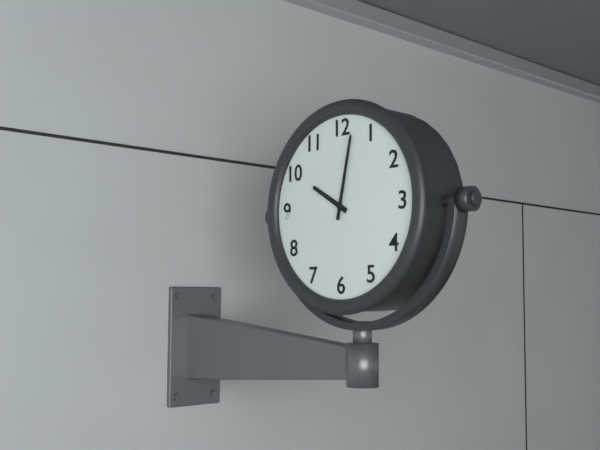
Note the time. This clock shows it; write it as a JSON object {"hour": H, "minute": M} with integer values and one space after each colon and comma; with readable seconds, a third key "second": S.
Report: {"hour": 10, "minute": 2}
